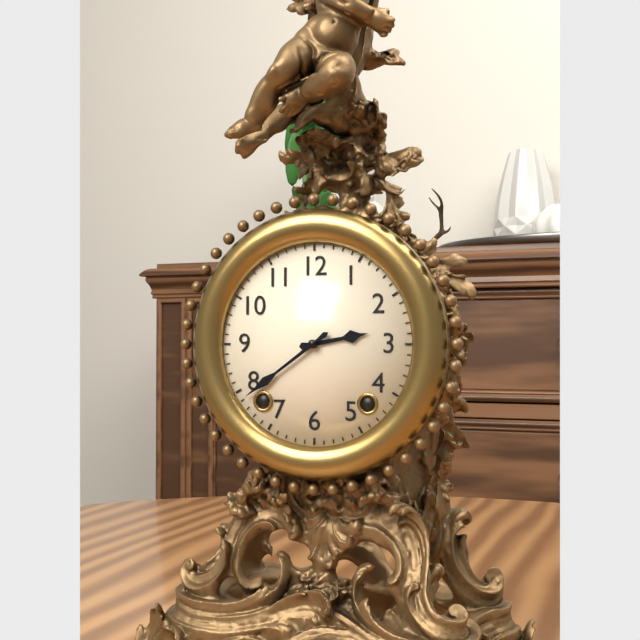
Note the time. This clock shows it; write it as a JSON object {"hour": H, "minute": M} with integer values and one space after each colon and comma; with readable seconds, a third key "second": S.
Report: {"hour": 2, "minute": 39}
